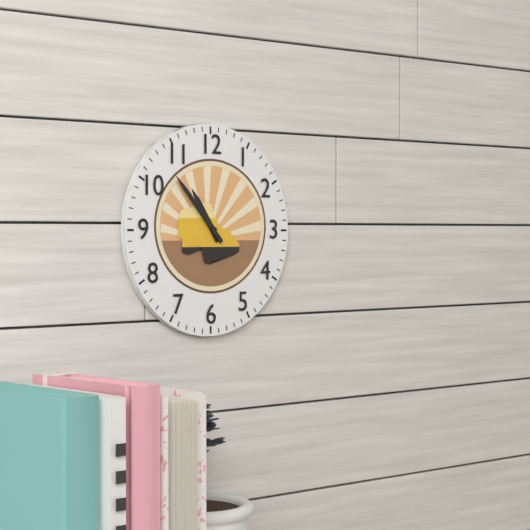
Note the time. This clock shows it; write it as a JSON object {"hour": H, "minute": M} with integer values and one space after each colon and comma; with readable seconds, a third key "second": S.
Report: {"hour": 10, "minute": 53}
